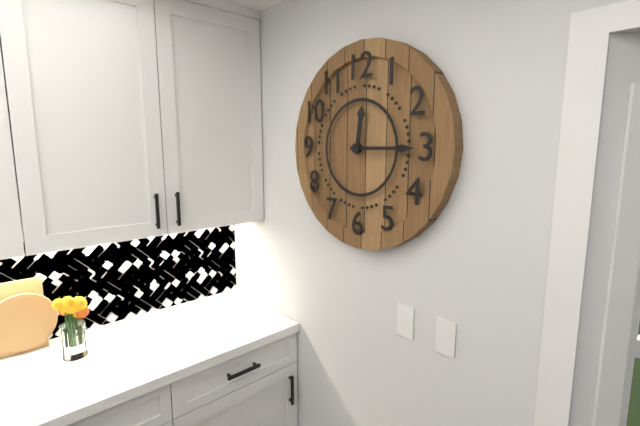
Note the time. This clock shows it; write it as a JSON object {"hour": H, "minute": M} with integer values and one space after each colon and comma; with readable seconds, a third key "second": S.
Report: {"hour": 12, "minute": 15}
